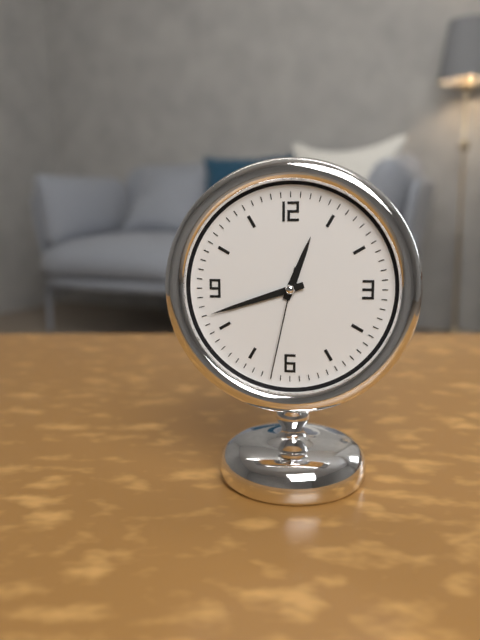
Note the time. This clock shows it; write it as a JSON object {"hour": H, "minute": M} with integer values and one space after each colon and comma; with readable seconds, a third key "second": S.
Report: {"hour": 12, "minute": 42, "second": 32}
